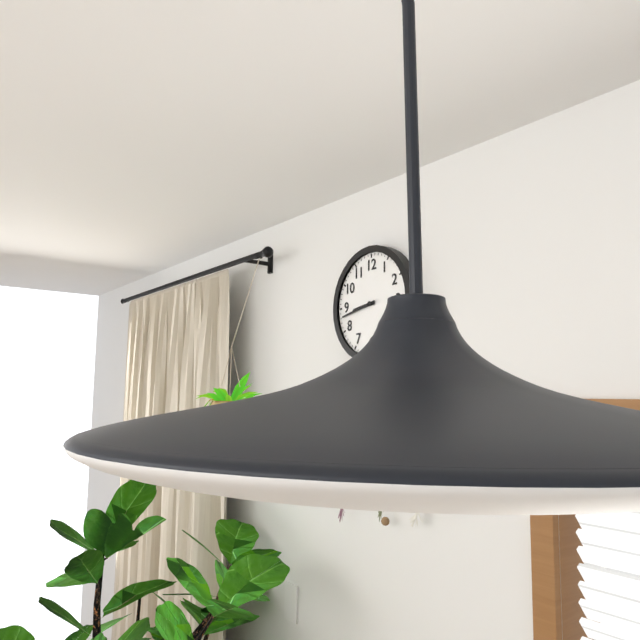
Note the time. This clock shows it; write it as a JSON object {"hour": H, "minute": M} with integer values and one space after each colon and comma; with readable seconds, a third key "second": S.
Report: {"hour": 8, "minute": 43}
